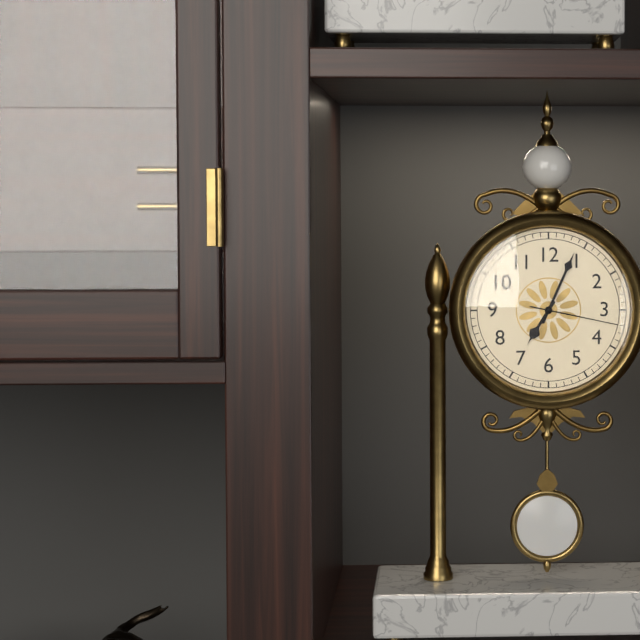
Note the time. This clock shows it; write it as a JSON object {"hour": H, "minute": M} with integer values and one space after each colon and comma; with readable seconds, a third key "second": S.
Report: {"hour": 7, "minute": 4, "second": 17}
